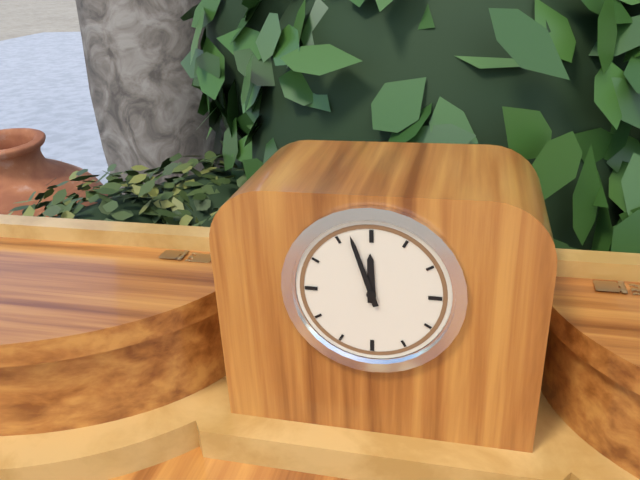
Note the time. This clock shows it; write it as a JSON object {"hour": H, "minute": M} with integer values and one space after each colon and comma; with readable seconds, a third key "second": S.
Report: {"hour": 11, "minute": 57}
